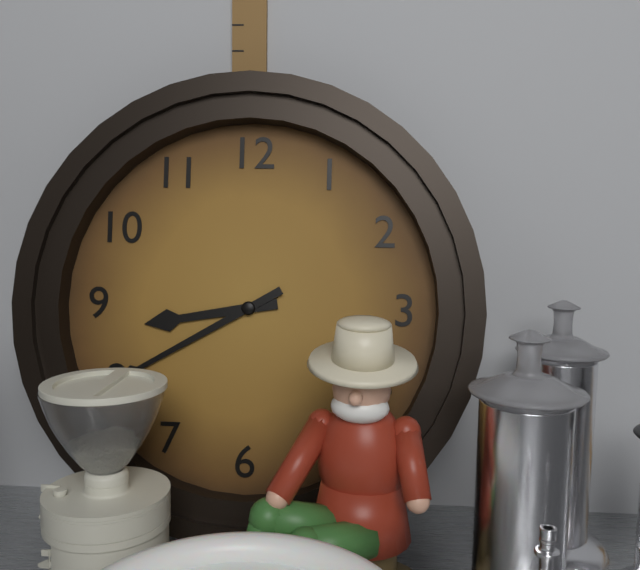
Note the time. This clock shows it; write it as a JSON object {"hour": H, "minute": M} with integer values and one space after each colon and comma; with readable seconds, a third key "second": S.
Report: {"hour": 8, "minute": 40}
